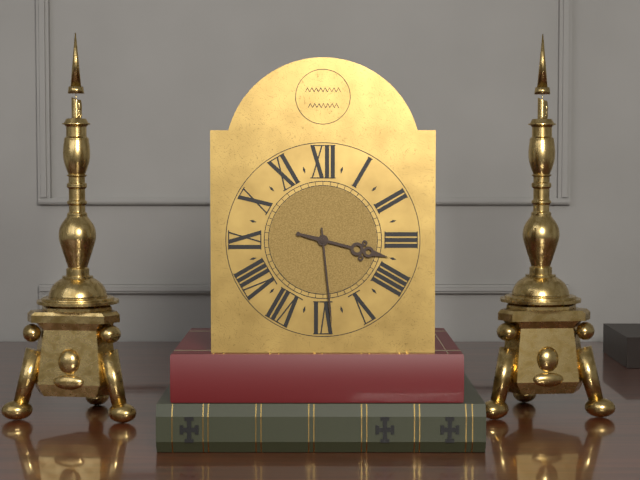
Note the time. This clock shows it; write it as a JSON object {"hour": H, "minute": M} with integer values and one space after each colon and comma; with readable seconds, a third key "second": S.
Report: {"hour": 3, "minute": 29}
